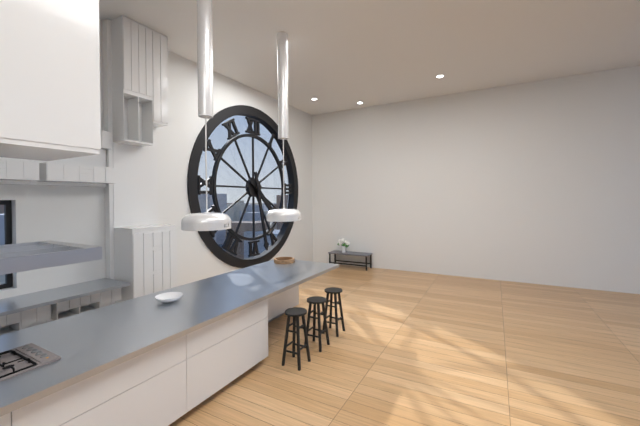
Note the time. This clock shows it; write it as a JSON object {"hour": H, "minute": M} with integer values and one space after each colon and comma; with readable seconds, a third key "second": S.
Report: {"hour": 4, "minute": 28}
